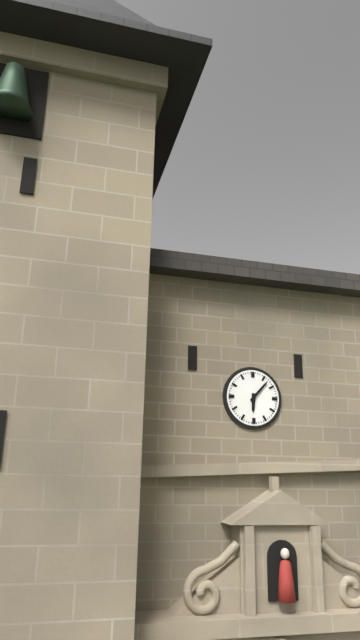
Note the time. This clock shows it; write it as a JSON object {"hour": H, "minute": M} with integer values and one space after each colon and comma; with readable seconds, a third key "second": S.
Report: {"hour": 6, "minute": 7}
